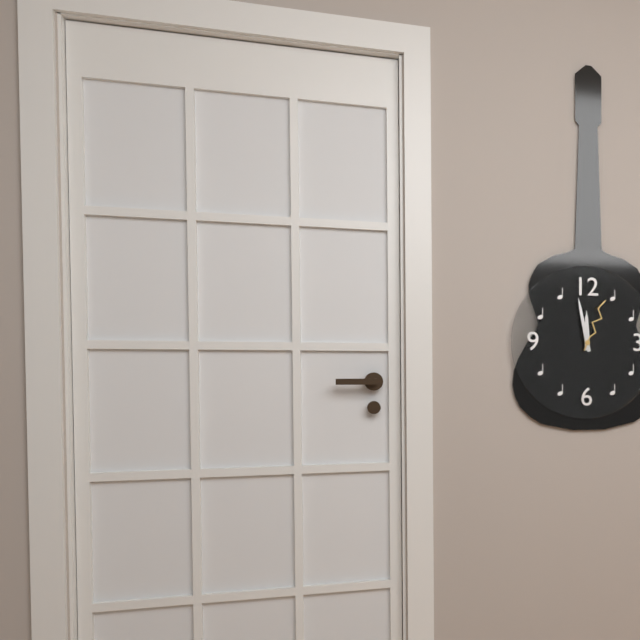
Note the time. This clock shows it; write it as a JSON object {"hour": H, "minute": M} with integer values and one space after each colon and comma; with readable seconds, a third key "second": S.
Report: {"hour": 11, "minute": 58, "second": 4}
